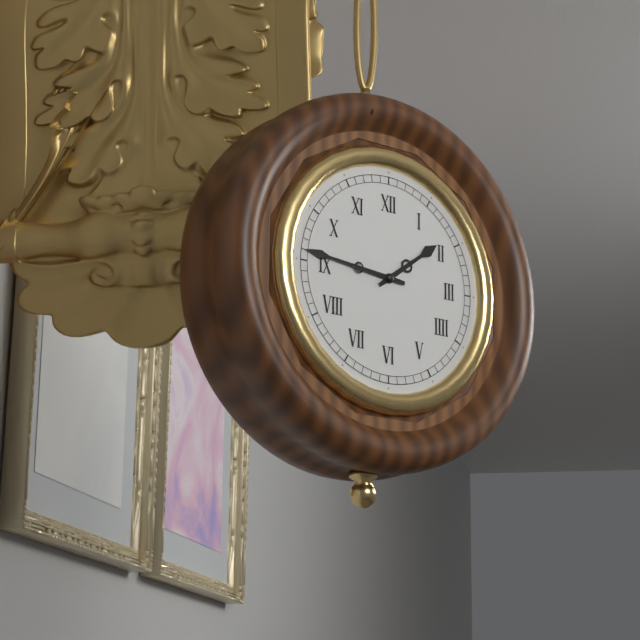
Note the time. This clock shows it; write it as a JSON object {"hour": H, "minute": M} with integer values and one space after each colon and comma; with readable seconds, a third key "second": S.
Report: {"hour": 1, "minute": 46}
